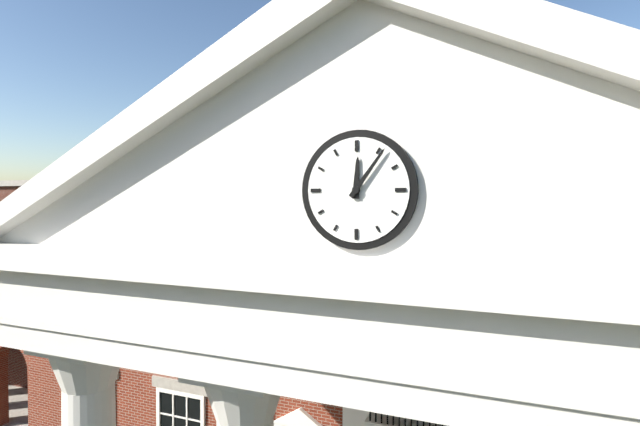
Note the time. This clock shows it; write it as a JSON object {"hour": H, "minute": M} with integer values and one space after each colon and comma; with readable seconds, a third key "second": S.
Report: {"hour": 12, "minute": 6}
